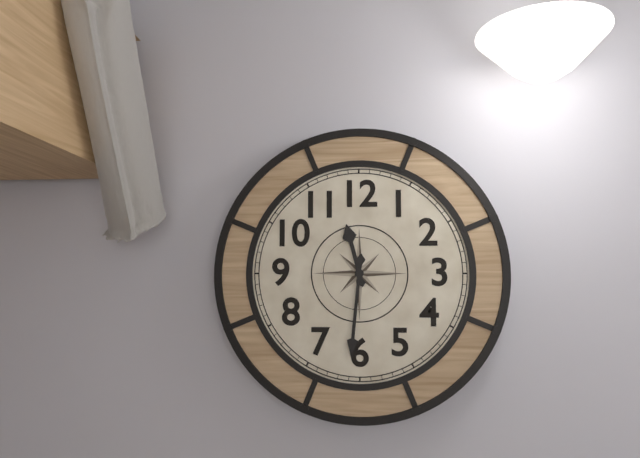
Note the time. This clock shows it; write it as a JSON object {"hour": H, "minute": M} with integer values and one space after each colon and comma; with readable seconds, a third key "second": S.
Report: {"hour": 11, "minute": 31}
